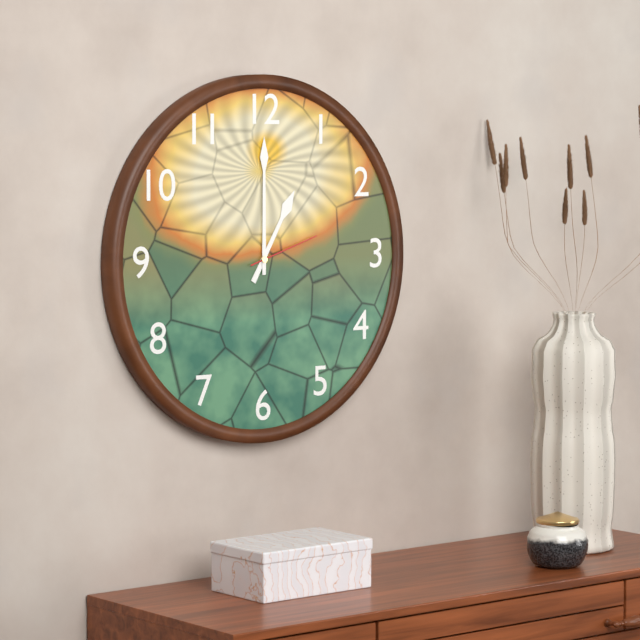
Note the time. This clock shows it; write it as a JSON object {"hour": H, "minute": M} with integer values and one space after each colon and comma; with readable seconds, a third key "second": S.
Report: {"hour": 1, "minute": 0, "second": 12}
